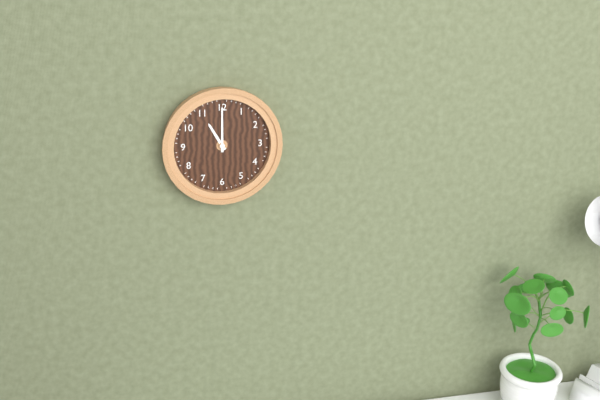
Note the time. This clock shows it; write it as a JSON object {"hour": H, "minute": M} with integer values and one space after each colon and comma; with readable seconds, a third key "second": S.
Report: {"hour": 11, "minute": 0}
